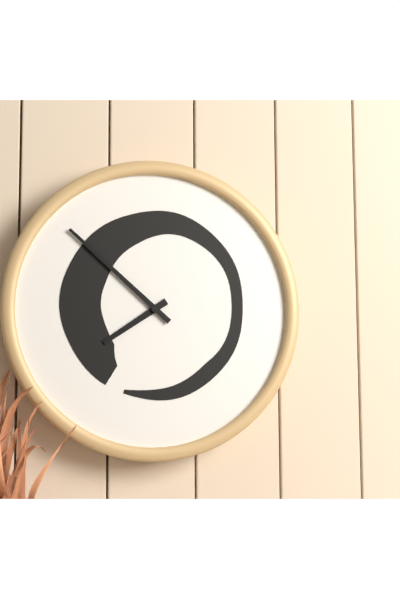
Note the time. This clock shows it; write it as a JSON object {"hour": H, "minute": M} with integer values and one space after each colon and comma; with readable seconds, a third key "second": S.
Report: {"hour": 7, "minute": 52}
